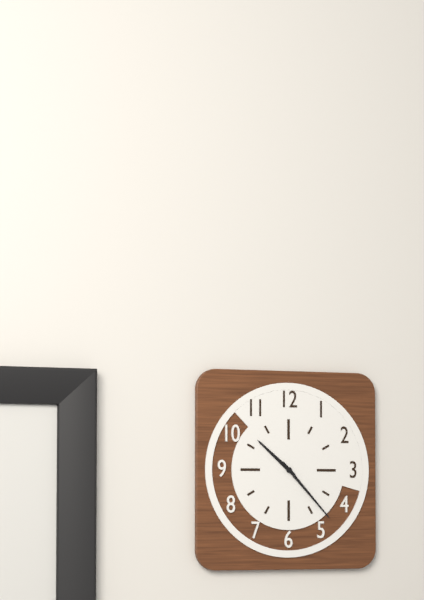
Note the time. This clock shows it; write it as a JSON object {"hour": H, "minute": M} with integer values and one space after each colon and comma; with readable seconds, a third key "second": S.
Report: {"hour": 10, "minute": 23}
